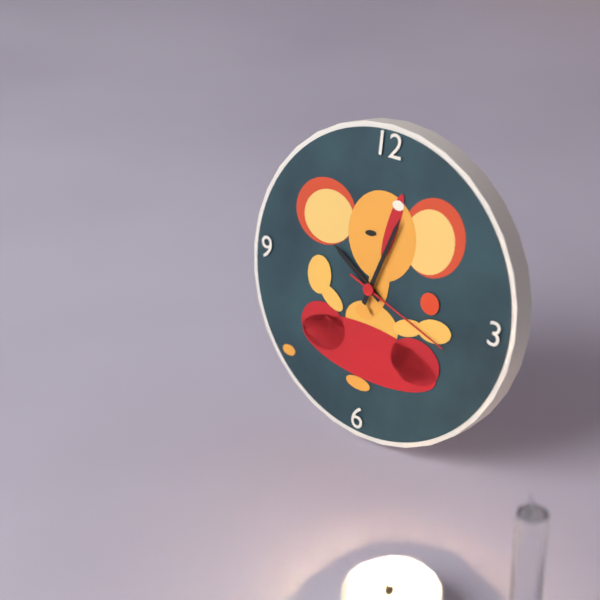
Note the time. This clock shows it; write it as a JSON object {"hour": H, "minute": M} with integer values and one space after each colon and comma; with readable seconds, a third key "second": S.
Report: {"hour": 10, "minute": 3, "second": 18}
